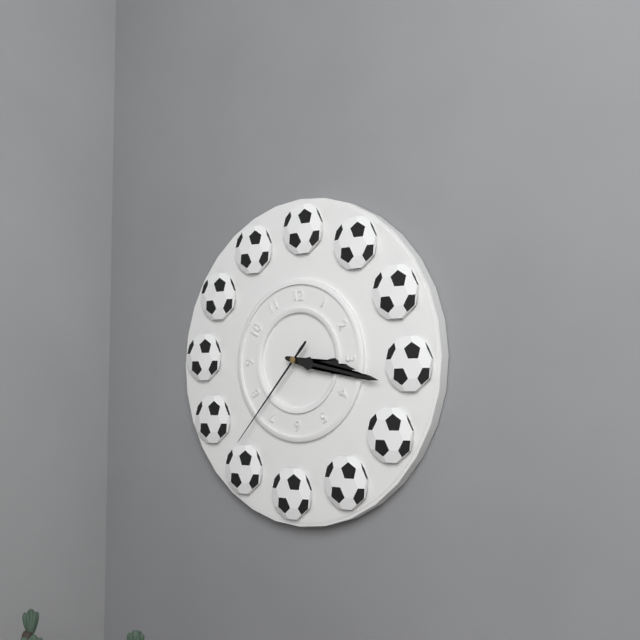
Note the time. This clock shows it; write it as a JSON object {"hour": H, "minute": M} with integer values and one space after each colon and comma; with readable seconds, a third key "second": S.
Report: {"hour": 3, "minute": 17, "second": 37}
